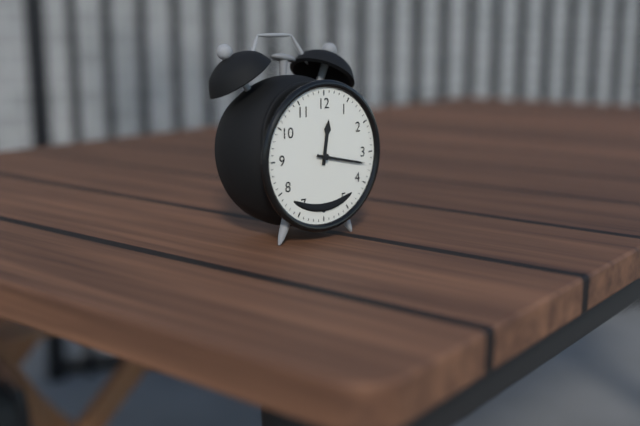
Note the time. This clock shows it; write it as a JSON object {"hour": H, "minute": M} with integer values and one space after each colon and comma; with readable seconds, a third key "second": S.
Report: {"hour": 12, "minute": 17}
